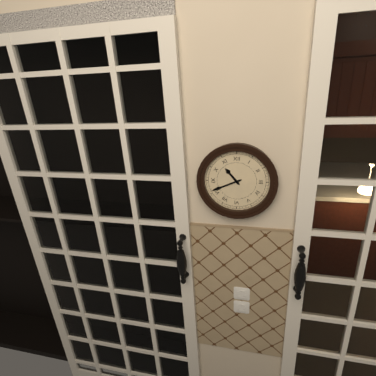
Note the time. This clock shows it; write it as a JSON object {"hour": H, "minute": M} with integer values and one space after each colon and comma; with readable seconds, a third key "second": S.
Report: {"hour": 10, "minute": 41}
